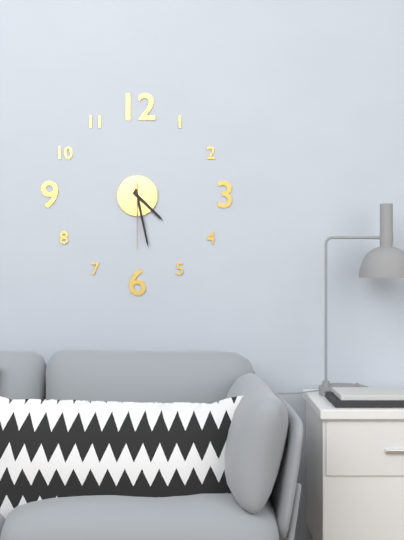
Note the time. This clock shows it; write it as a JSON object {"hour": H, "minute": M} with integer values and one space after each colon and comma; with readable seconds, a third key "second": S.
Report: {"hour": 4, "minute": 28, "second": 30}
